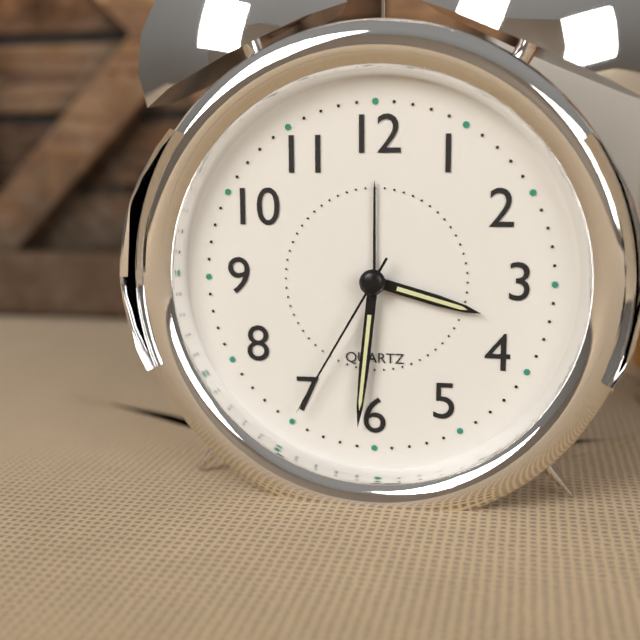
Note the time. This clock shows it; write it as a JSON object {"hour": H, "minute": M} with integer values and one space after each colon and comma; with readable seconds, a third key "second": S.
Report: {"hour": 3, "minute": 31, "second": 35}
